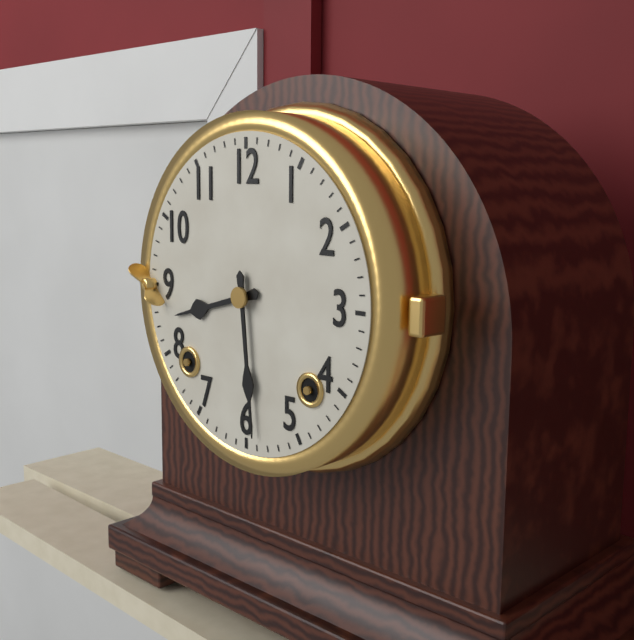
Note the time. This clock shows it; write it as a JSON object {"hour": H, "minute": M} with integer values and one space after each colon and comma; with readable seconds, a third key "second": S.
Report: {"hour": 8, "minute": 29}
